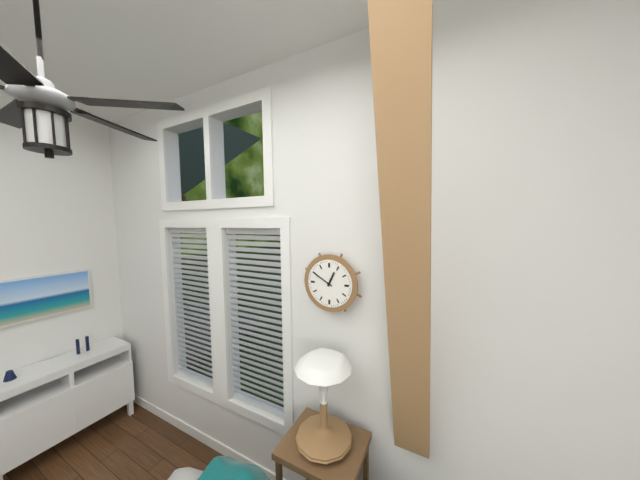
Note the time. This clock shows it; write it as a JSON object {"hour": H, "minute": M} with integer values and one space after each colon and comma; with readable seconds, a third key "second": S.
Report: {"hour": 12, "minute": 50}
